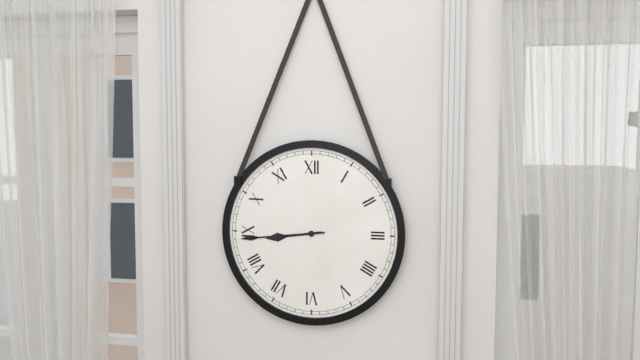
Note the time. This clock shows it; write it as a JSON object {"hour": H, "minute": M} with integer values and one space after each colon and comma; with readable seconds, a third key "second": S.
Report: {"hour": 8, "minute": 44}
